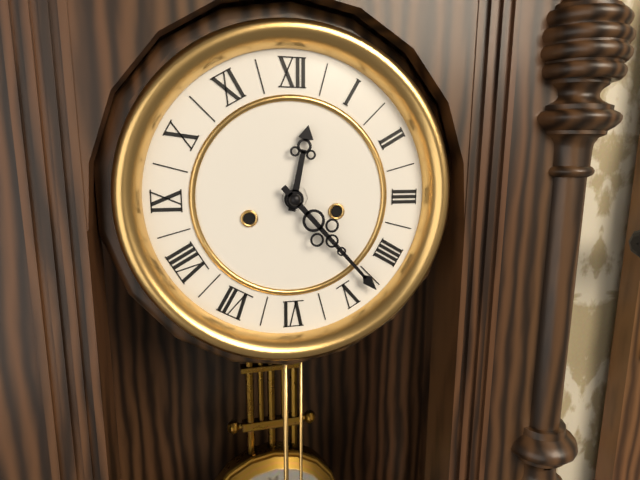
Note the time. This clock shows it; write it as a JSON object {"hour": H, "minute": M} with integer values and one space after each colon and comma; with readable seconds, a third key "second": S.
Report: {"hour": 12, "minute": 23}
